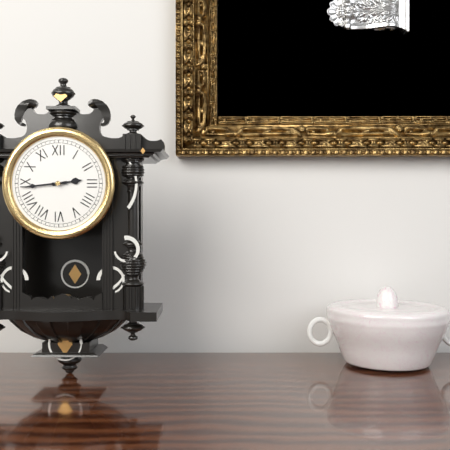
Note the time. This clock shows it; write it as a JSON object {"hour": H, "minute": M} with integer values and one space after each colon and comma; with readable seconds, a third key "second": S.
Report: {"hour": 2, "minute": 44}
